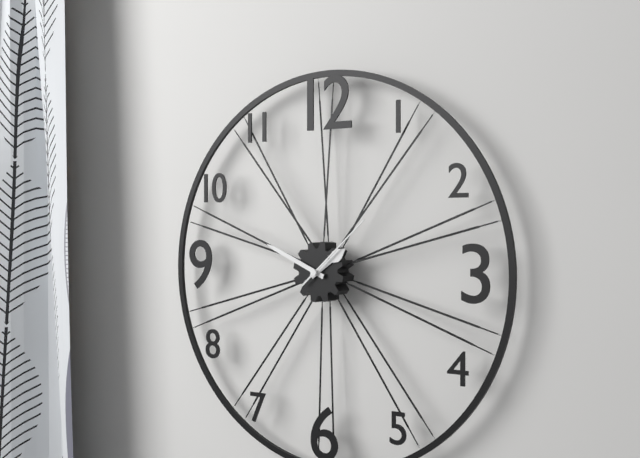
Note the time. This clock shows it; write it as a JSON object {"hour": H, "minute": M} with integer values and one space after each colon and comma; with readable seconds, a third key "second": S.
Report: {"hour": 1, "minute": 49, "second": 8}
